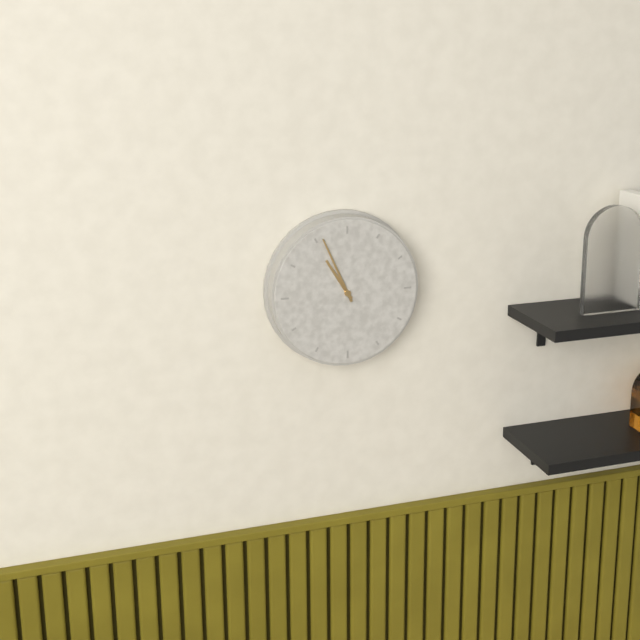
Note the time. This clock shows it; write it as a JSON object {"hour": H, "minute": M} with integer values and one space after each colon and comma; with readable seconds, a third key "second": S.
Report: {"hour": 10, "minute": 56}
